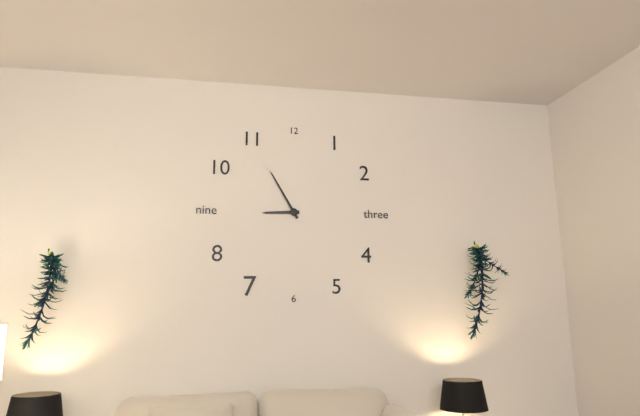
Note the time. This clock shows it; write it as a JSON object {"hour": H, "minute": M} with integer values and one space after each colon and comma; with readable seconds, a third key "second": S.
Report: {"hour": 8, "minute": 55}
